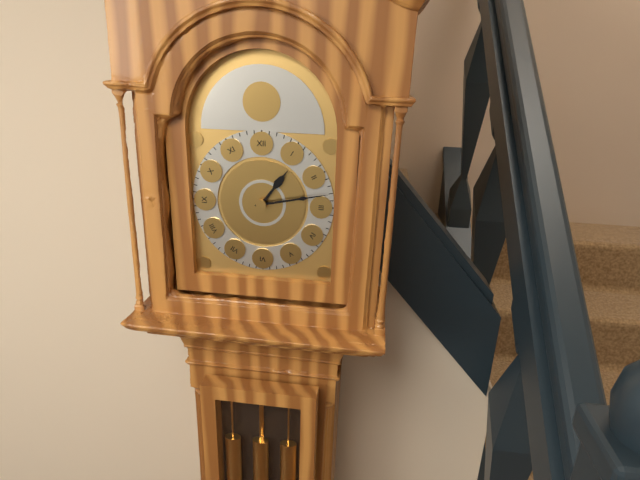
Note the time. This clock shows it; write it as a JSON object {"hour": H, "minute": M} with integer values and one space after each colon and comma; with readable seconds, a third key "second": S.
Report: {"hour": 1, "minute": 13}
